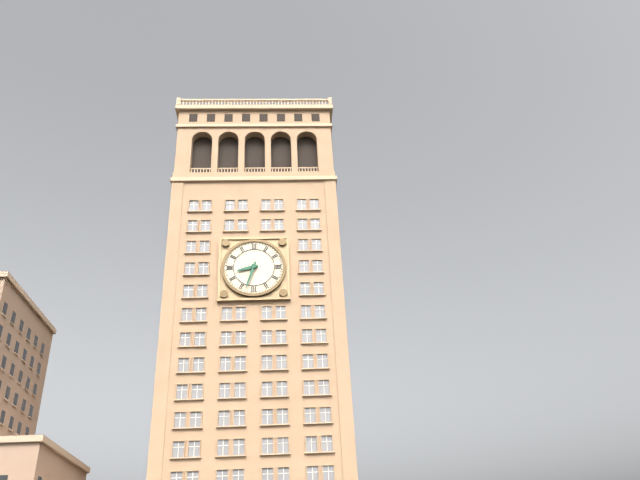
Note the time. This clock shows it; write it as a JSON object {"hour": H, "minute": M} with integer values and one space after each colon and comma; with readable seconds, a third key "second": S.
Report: {"hour": 8, "minute": 33}
